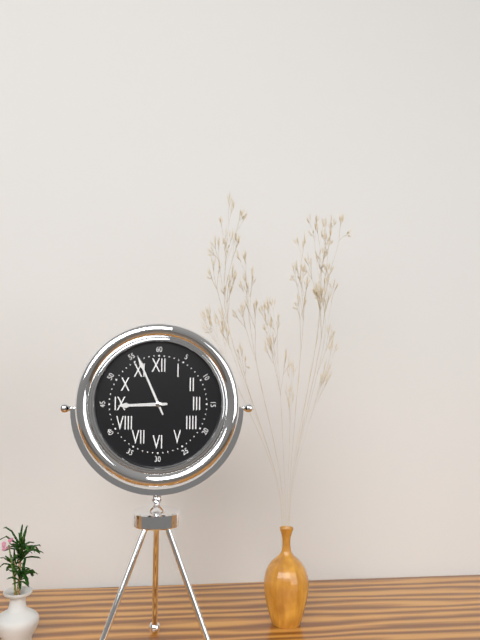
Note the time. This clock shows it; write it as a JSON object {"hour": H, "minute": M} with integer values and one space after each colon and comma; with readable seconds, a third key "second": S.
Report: {"hour": 8, "minute": 56}
